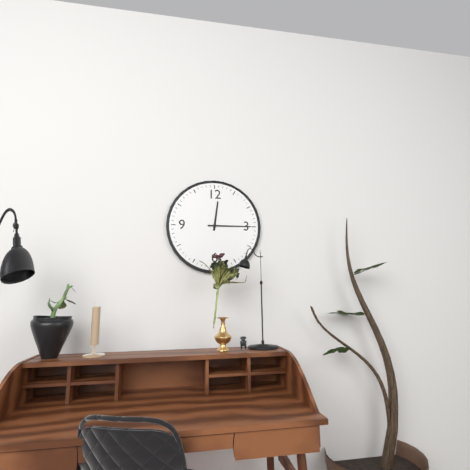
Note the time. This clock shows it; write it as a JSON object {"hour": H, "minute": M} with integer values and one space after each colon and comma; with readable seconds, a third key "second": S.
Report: {"hour": 12, "minute": 15}
